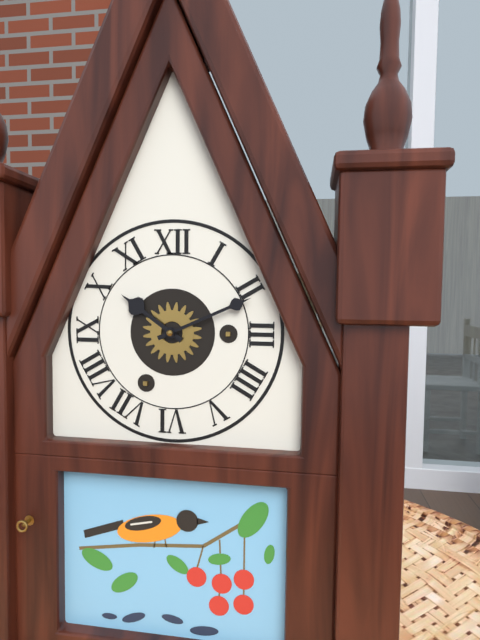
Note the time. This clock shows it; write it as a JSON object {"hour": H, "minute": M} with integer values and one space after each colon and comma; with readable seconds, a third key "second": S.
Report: {"hour": 10, "minute": 11}
